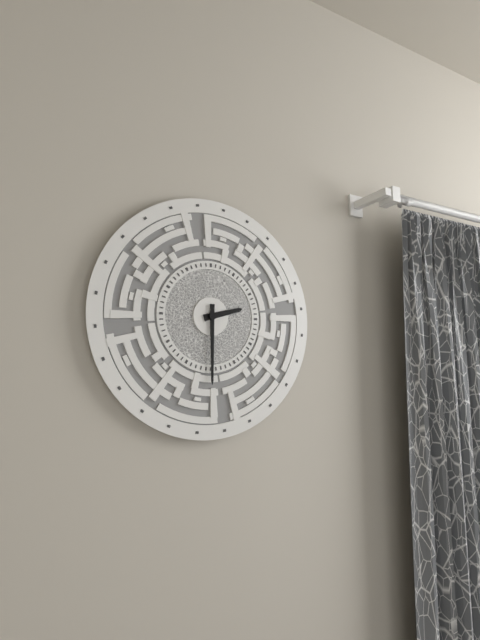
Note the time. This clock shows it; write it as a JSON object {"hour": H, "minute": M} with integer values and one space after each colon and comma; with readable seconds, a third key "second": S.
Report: {"hour": 2, "minute": 30}
